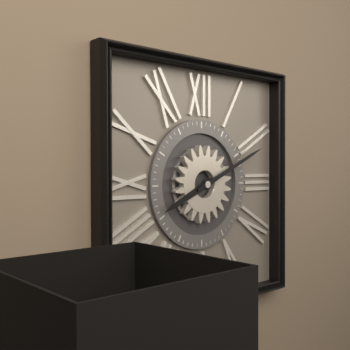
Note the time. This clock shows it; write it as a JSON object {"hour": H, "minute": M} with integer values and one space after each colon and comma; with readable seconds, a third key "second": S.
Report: {"hour": 8, "minute": 11}
